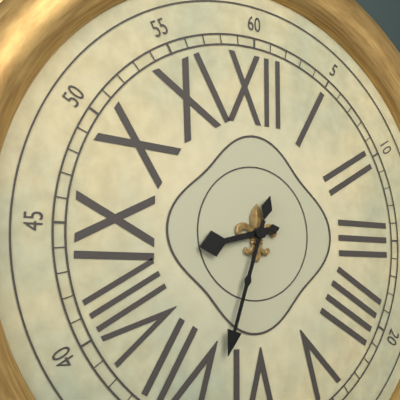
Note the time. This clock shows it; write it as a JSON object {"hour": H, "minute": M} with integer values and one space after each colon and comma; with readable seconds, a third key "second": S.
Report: {"hour": 8, "minute": 33}
